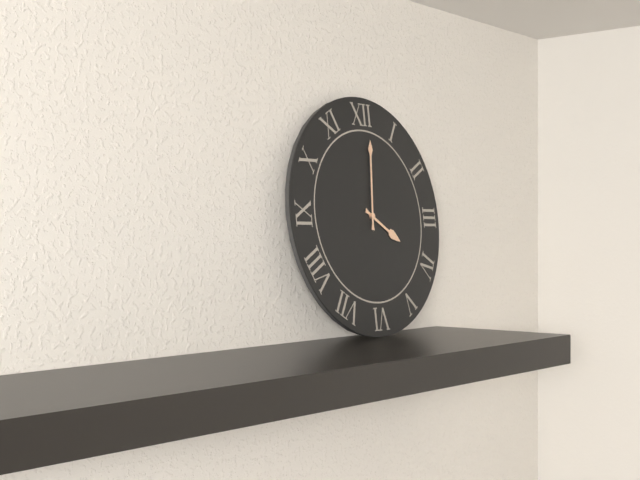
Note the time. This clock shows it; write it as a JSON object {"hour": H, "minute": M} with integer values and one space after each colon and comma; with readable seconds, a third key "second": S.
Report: {"hour": 4, "minute": 1}
